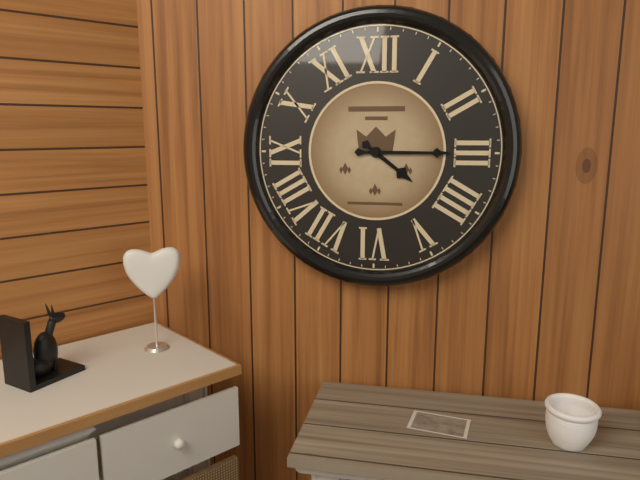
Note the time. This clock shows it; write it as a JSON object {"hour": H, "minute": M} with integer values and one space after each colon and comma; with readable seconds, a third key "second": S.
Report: {"hour": 4, "minute": 15}
